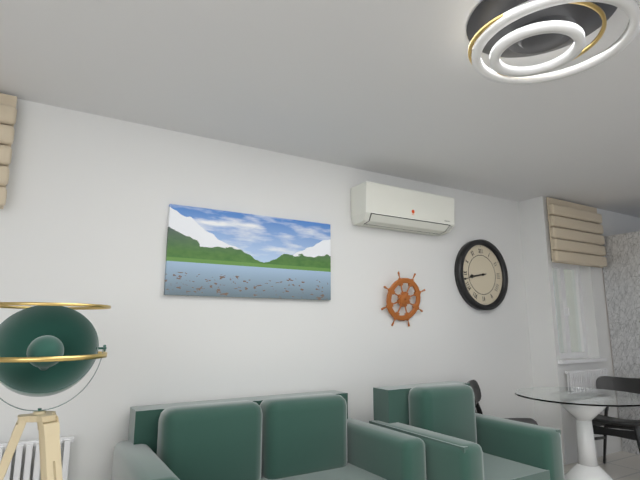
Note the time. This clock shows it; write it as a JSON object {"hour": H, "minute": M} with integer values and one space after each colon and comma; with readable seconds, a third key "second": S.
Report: {"hour": 8, "minute": 43}
